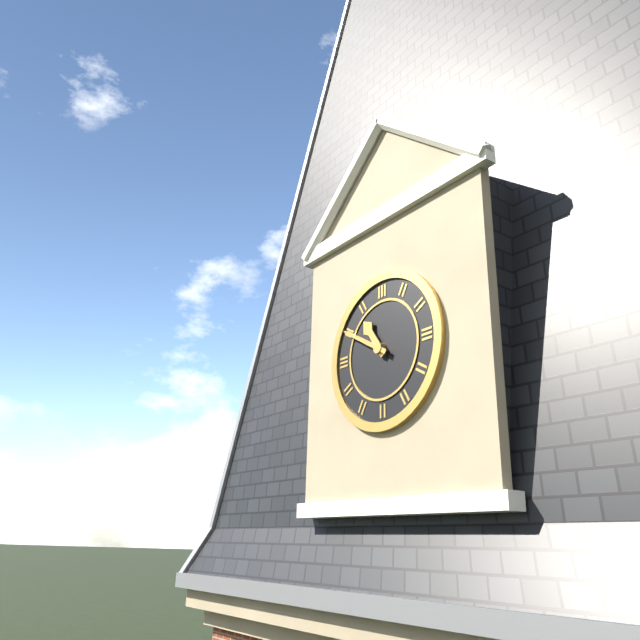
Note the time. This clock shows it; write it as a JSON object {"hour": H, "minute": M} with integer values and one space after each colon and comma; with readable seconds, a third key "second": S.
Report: {"hour": 10, "minute": 50}
